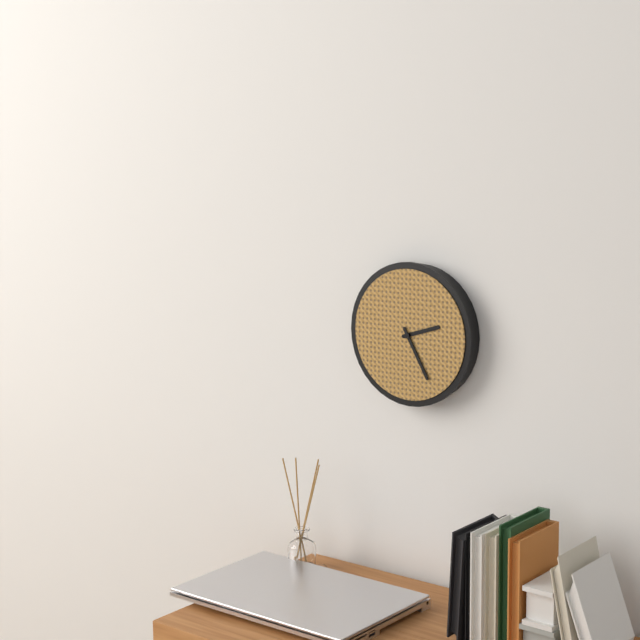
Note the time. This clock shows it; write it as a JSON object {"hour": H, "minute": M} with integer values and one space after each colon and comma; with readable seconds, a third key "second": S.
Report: {"hour": 2, "minute": 25}
